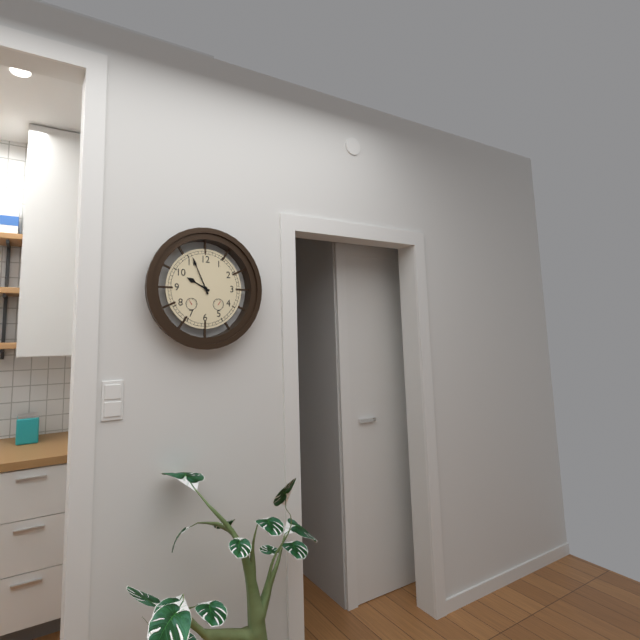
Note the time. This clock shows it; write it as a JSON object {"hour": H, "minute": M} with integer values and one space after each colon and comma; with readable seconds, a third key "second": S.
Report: {"hour": 9, "minute": 56}
